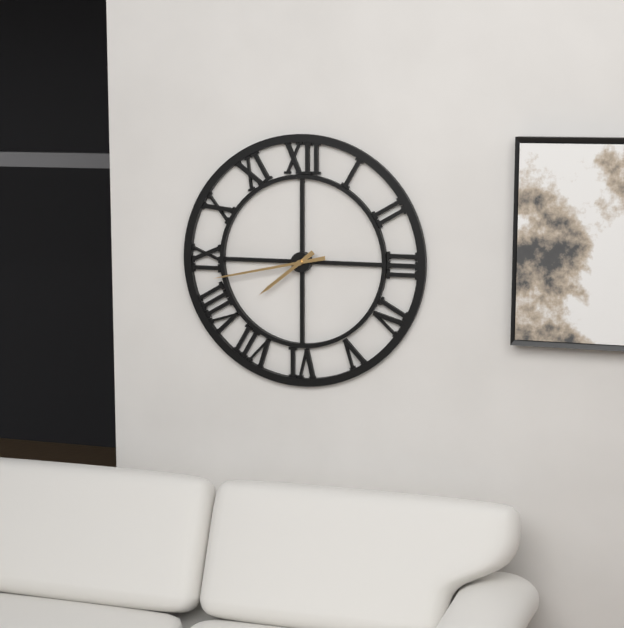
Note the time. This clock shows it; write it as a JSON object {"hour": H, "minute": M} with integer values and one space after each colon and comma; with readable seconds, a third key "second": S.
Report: {"hour": 7, "minute": 43}
